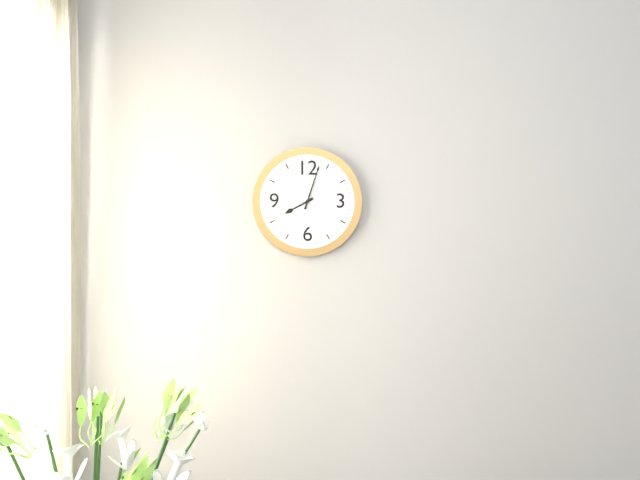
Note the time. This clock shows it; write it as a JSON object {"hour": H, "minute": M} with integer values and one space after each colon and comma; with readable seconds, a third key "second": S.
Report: {"hour": 8, "minute": 3}
